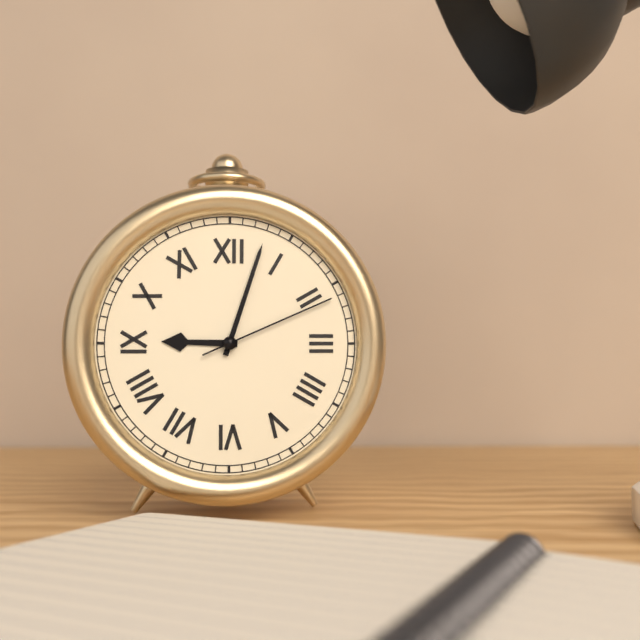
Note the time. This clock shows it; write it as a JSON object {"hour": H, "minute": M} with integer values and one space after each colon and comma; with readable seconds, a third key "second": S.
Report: {"hour": 9, "minute": 3, "second": 11}
